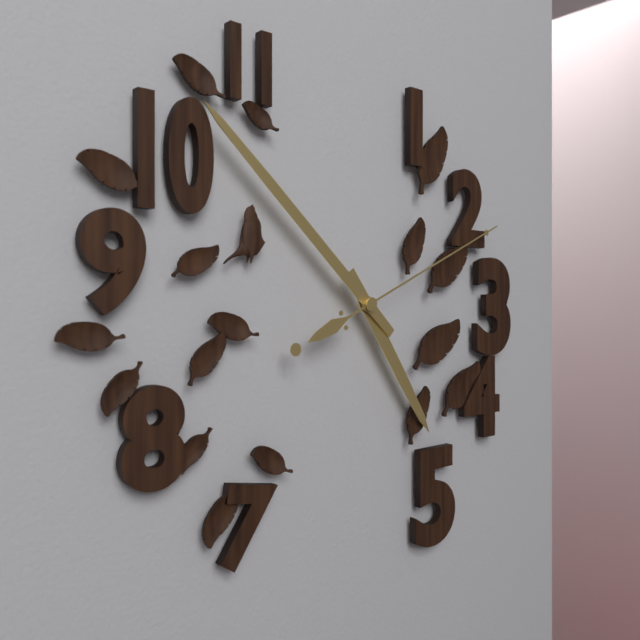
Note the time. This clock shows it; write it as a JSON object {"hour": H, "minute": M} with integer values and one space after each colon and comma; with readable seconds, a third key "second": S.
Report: {"hour": 4, "minute": 52, "second": 11}
